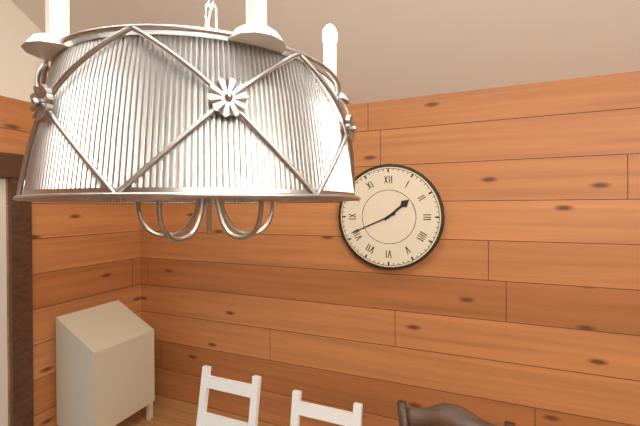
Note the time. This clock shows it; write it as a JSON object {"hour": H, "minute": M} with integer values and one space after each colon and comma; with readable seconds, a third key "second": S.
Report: {"hour": 1, "minute": 41}
